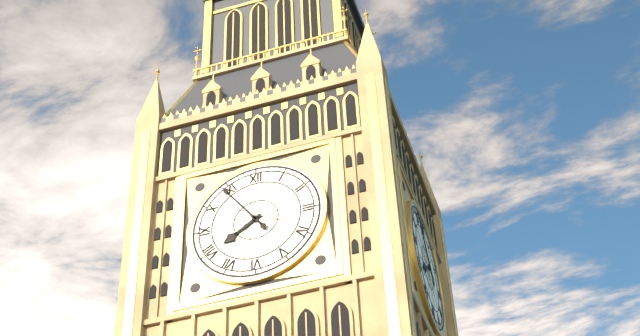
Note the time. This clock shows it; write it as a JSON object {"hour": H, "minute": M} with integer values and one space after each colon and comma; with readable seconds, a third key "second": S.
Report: {"hour": 7, "minute": 54}
